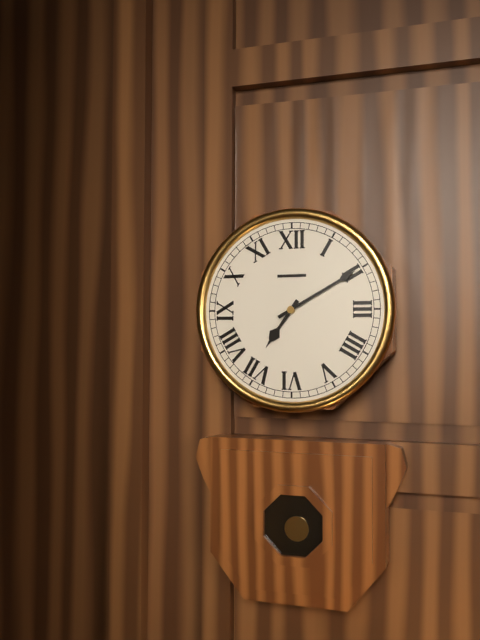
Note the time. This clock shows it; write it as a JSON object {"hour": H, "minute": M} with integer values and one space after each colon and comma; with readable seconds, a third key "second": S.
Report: {"hour": 7, "minute": 10}
